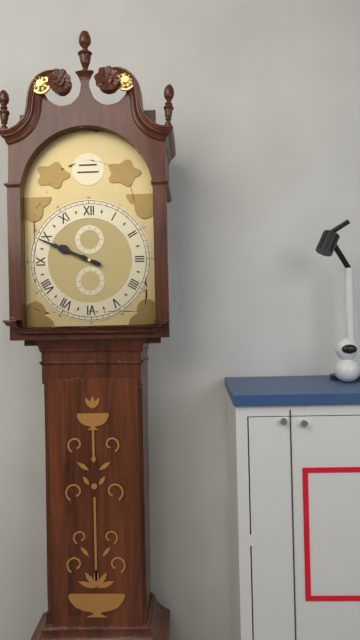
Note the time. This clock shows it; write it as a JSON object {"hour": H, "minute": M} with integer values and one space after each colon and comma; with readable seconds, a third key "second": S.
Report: {"hour": 9, "minute": 49}
